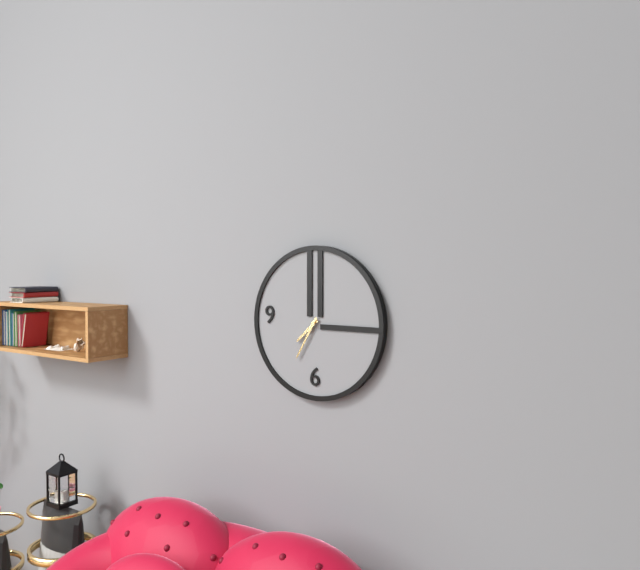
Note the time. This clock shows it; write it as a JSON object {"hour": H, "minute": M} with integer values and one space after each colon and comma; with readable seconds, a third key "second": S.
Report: {"hour": 7, "minute": 35}
